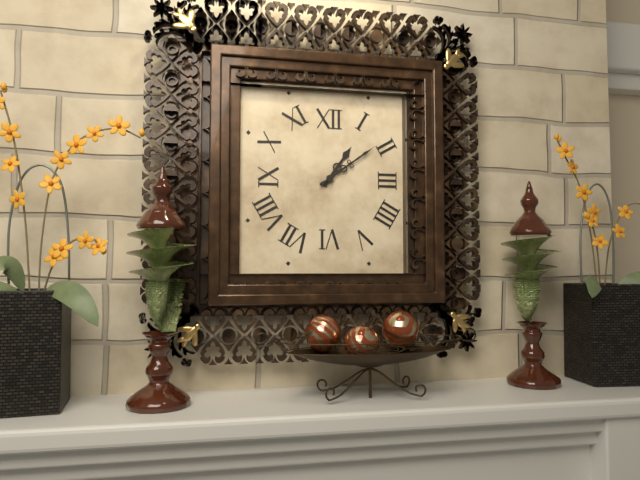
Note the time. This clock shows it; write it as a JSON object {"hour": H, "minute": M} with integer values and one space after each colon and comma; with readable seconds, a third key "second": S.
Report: {"hour": 1, "minute": 9}
